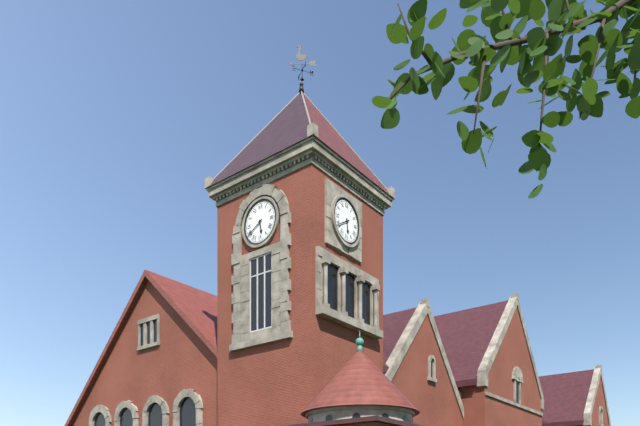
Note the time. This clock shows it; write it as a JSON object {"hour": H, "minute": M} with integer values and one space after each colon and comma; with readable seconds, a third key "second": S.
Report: {"hour": 5, "minute": 40}
